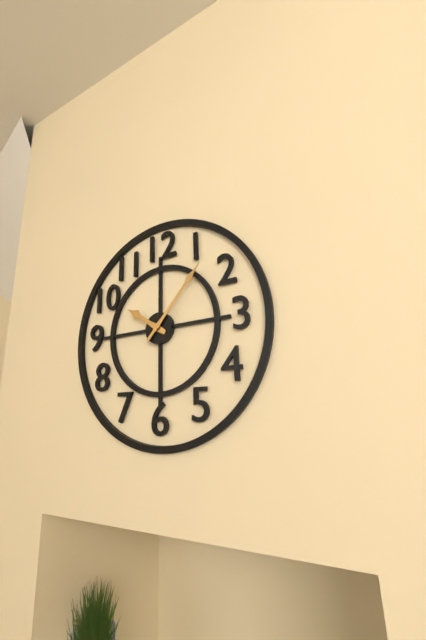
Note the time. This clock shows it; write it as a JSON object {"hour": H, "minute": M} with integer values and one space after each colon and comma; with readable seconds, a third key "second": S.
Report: {"hour": 10, "minute": 7}
